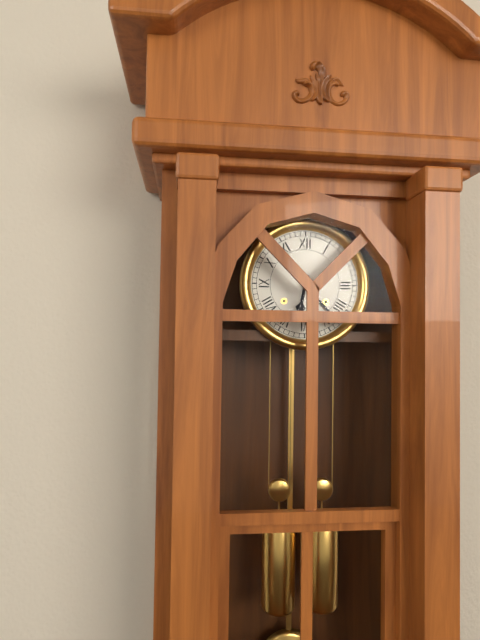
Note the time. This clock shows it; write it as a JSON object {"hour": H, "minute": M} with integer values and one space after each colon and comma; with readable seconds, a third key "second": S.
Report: {"hour": 6, "minute": 23}
